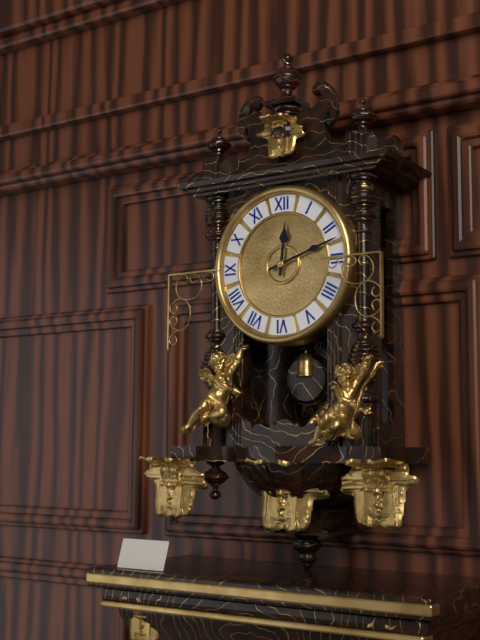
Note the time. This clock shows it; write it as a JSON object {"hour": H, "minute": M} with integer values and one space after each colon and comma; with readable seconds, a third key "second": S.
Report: {"hour": 12, "minute": 12}
